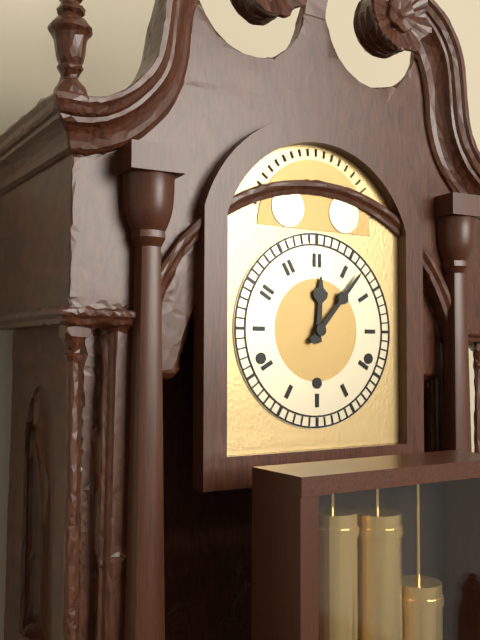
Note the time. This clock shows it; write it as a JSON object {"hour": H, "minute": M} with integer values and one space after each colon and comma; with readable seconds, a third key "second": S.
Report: {"hour": 12, "minute": 7}
